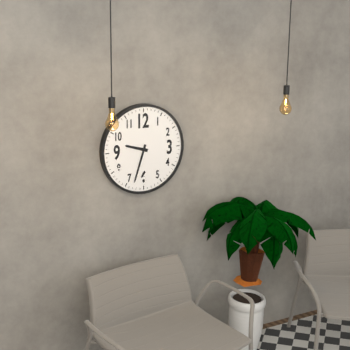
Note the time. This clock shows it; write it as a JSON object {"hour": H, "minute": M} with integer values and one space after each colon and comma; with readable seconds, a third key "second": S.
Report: {"hour": 9, "minute": 33}
